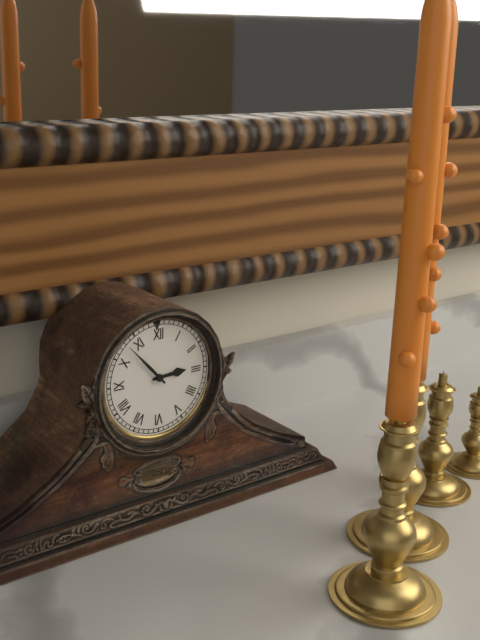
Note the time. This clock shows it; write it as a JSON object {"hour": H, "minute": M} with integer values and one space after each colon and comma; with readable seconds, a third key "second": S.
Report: {"hour": 2, "minute": 53}
